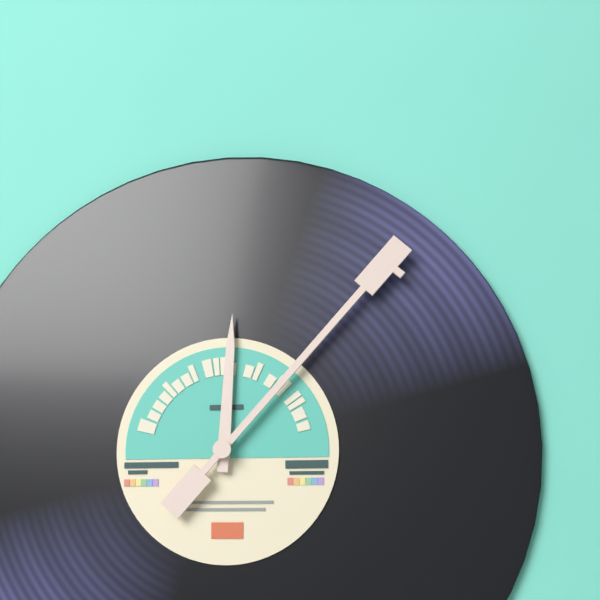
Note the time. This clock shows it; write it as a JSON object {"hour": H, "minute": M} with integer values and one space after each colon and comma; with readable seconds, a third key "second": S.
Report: {"hour": 12, "minute": 7}
